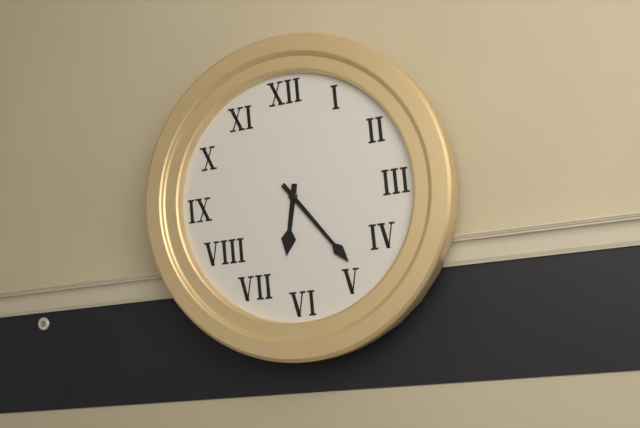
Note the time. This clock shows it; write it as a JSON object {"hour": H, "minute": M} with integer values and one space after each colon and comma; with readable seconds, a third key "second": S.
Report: {"hour": 6, "minute": 24}
